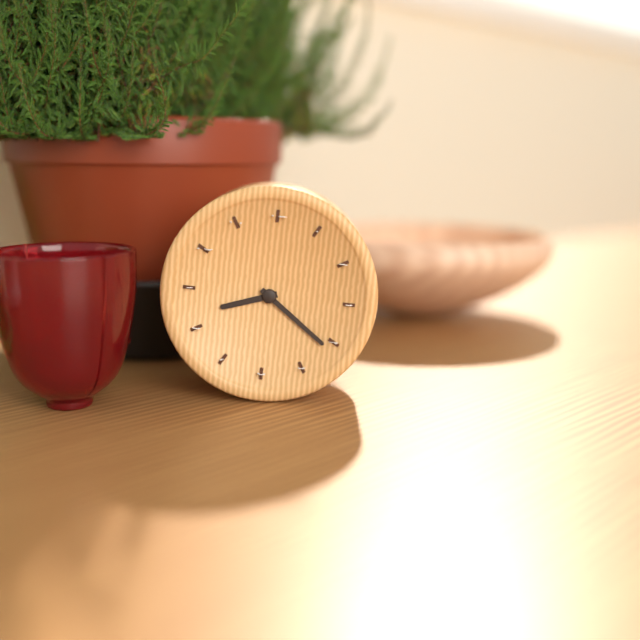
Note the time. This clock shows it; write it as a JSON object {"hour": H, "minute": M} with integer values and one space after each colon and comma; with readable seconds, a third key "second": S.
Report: {"hour": 8, "minute": 21}
